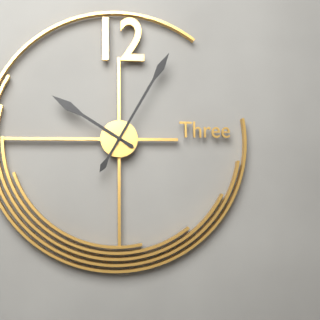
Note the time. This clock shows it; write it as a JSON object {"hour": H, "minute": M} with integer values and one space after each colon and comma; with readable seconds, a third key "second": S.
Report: {"hour": 10, "minute": 5}
